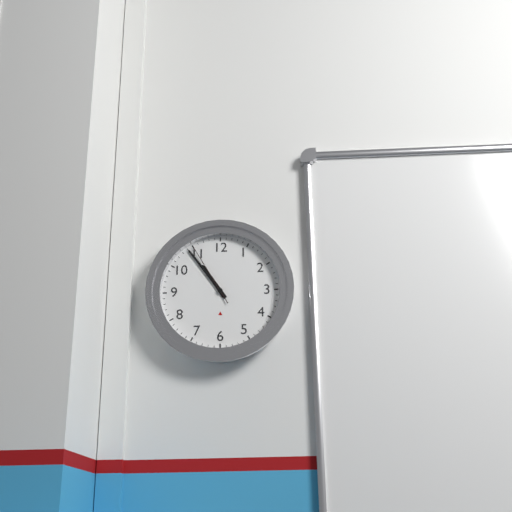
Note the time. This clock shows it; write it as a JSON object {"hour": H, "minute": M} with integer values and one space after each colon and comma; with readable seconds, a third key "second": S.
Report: {"hour": 10, "minute": 54, "second": 55}
